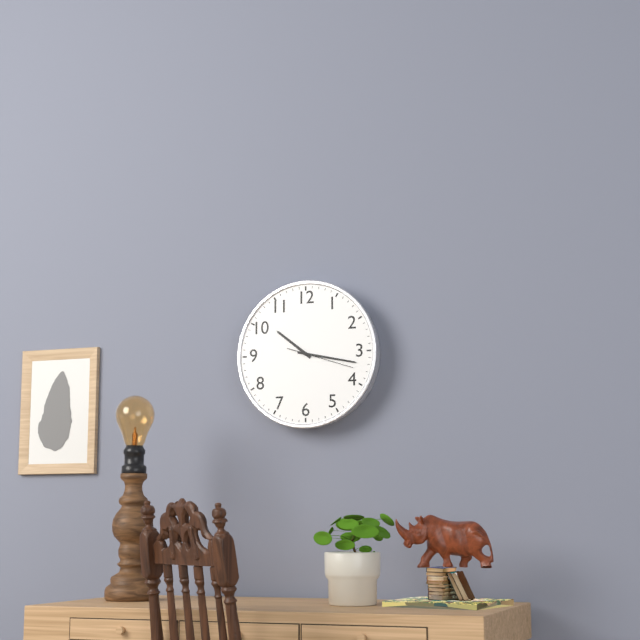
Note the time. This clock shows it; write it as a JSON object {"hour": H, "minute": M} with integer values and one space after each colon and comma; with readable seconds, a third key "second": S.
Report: {"hour": 10, "minute": 17, "second": 18}
